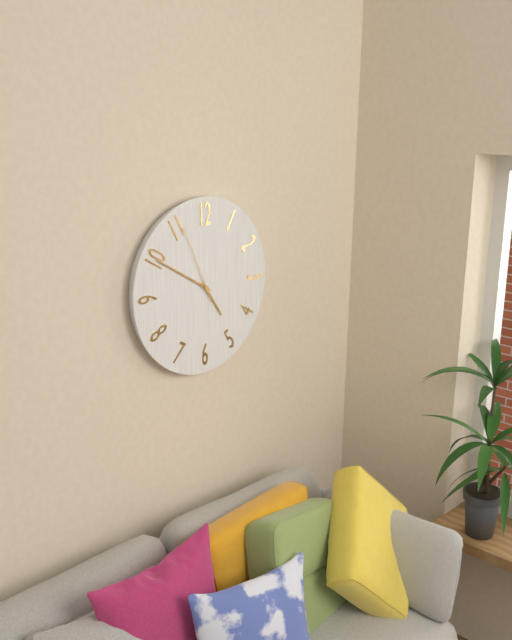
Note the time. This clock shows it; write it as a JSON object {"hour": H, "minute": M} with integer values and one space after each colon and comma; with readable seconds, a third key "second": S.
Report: {"hour": 4, "minute": 50, "second": 56}
